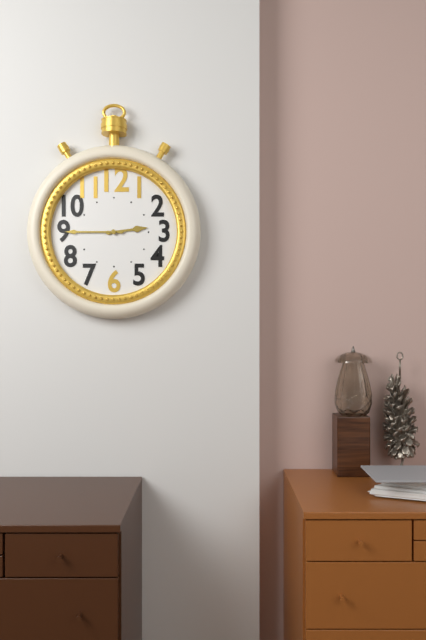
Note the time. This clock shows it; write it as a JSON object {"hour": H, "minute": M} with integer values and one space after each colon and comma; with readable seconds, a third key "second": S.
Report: {"hour": 2, "minute": 45}
